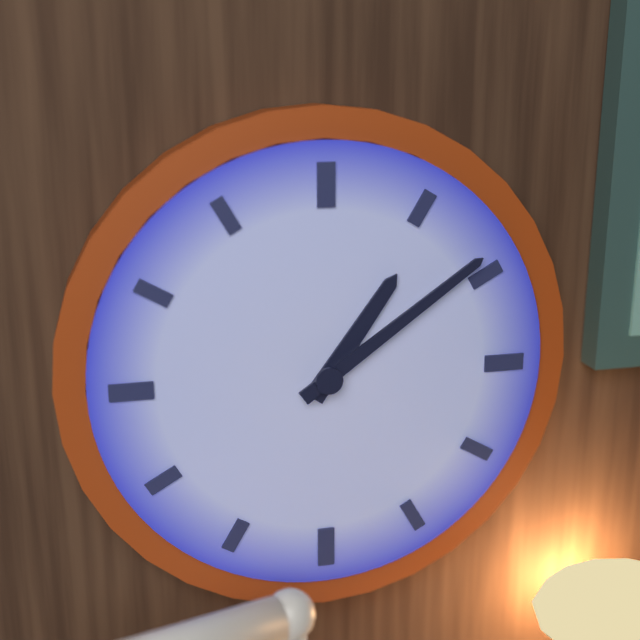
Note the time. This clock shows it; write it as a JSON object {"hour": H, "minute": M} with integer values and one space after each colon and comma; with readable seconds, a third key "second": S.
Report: {"hour": 1, "minute": 9}
